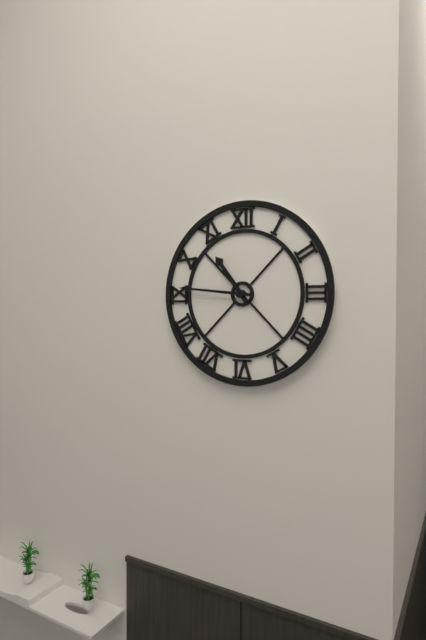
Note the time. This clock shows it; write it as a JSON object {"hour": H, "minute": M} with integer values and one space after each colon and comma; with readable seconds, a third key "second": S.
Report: {"hour": 10, "minute": 46}
